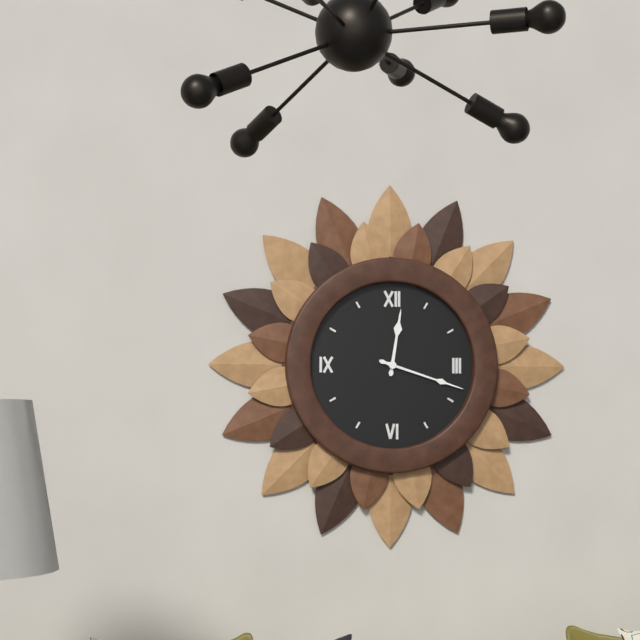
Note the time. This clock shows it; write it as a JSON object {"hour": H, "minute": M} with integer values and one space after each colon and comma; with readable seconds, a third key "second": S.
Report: {"hour": 12, "minute": 18}
